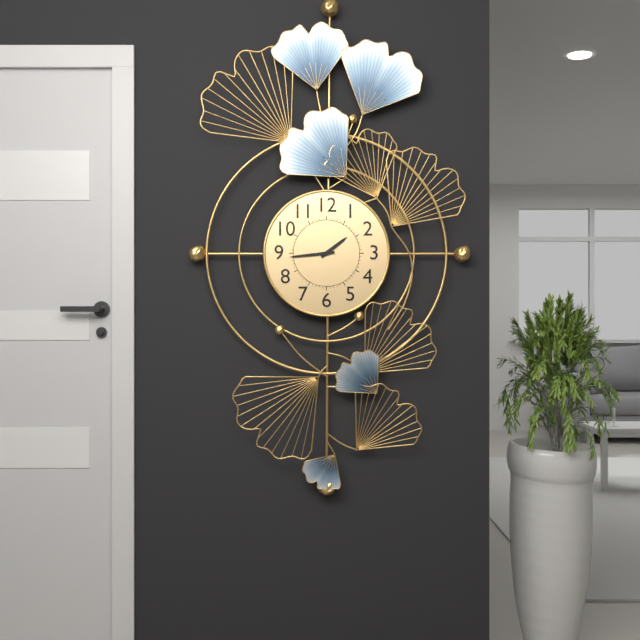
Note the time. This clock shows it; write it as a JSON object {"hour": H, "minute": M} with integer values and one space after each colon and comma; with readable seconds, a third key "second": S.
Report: {"hour": 1, "minute": 44}
